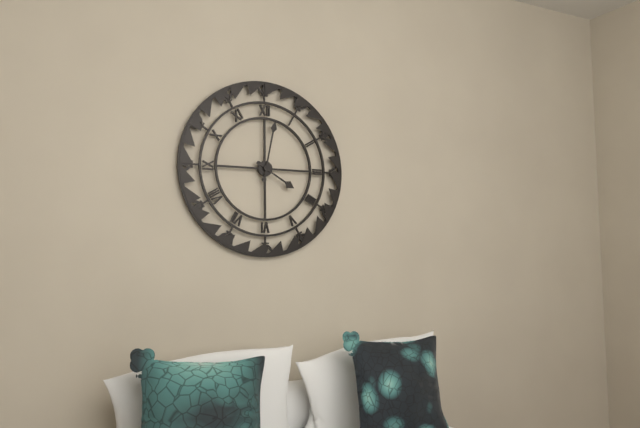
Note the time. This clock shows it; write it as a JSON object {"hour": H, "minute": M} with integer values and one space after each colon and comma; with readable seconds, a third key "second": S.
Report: {"hour": 4, "minute": 2}
